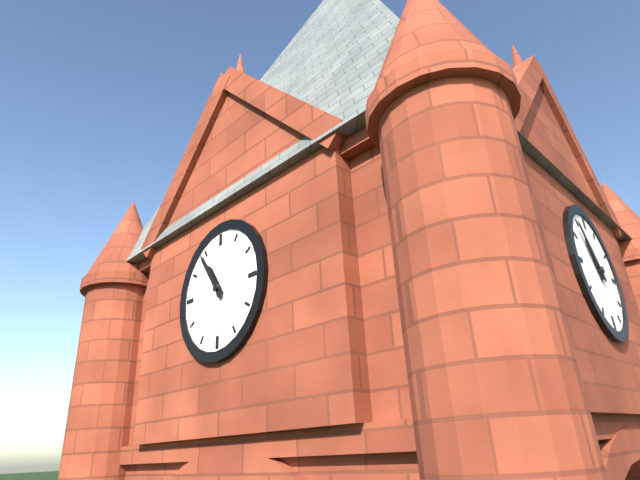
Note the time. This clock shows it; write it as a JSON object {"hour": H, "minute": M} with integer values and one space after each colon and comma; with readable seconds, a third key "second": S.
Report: {"hour": 10, "minute": 54}
